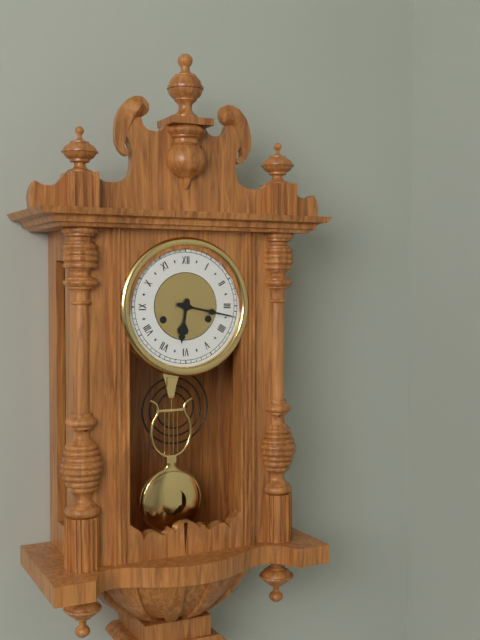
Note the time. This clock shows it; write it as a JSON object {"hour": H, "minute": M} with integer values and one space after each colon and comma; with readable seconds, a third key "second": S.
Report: {"hour": 6, "minute": 17}
